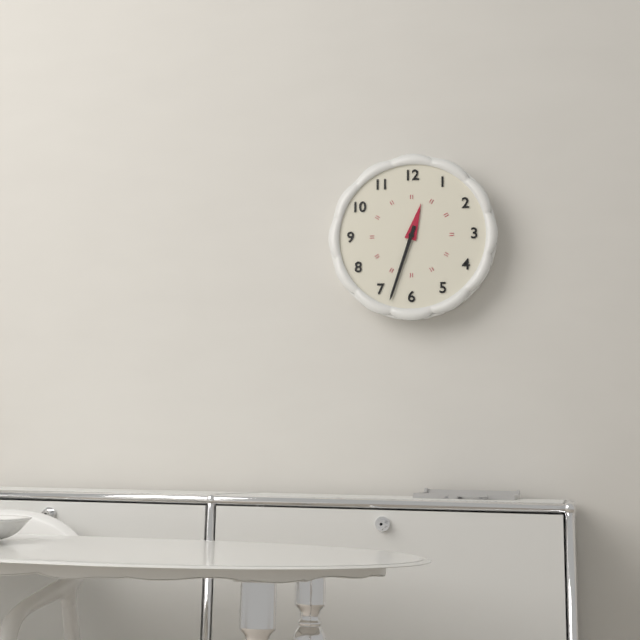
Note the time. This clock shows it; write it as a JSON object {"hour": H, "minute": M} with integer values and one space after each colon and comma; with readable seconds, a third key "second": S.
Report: {"hour": 12, "minute": 33}
